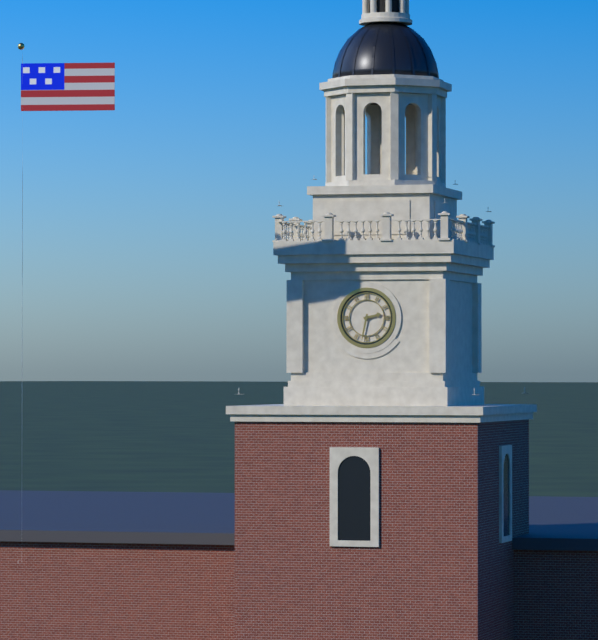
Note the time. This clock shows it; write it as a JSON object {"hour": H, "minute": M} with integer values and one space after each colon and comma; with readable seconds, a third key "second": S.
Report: {"hour": 2, "minute": 32}
